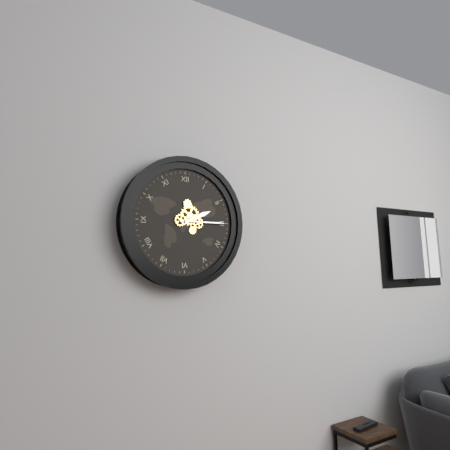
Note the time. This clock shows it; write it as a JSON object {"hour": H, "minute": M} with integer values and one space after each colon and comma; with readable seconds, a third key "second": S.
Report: {"hour": 2, "minute": 15}
